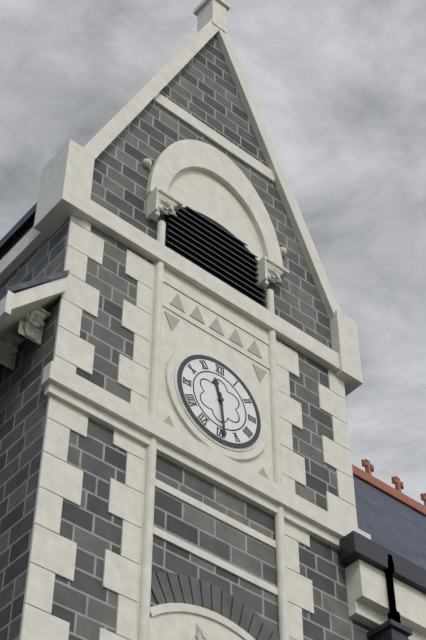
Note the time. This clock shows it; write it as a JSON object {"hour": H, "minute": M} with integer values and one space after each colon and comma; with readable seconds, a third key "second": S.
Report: {"hour": 11, "minute": 29}
